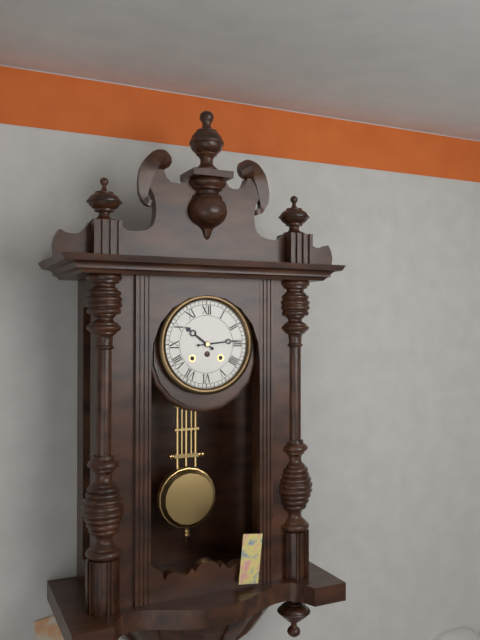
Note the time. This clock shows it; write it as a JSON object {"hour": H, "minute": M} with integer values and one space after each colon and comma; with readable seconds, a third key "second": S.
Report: {"hour": 10, "minute": 14}
